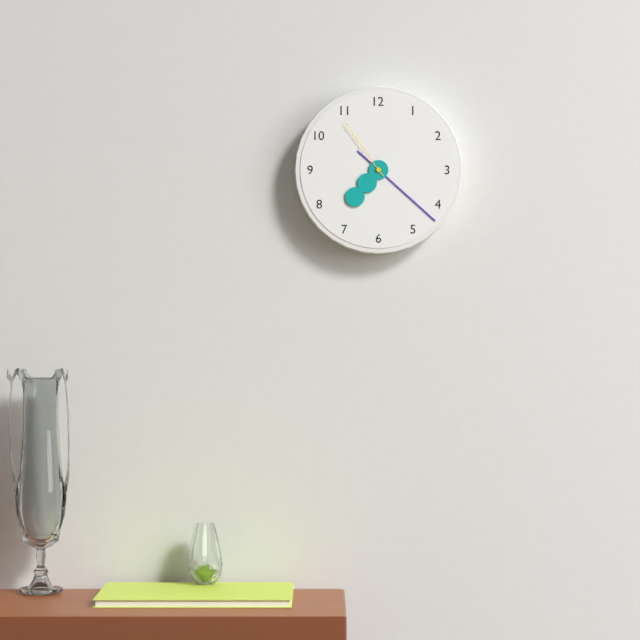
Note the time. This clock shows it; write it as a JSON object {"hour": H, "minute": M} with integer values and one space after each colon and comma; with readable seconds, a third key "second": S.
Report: {"hour": 7, "minute": 22, "second": 54}
